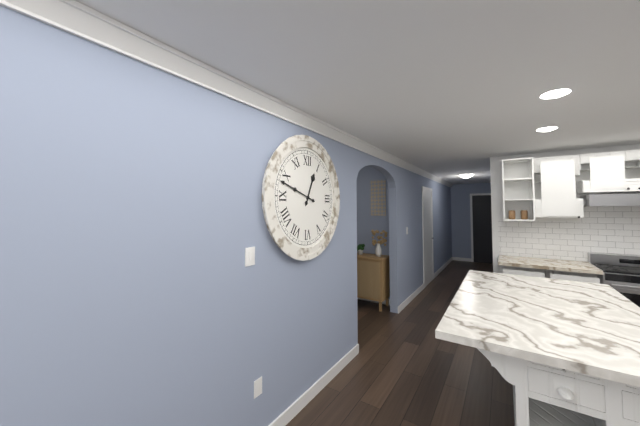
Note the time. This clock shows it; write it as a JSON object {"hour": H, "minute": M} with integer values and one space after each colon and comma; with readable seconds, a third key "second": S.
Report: {"hour": 12, "minute": 48}
